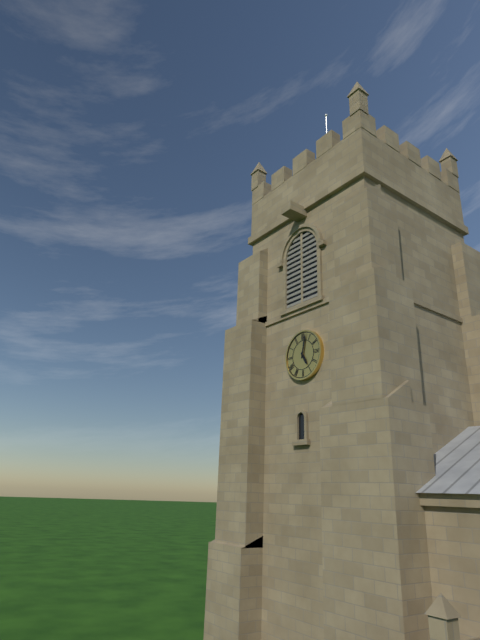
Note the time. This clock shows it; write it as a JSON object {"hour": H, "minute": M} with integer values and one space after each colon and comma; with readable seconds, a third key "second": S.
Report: {"hour": 5, "minute": 2}
